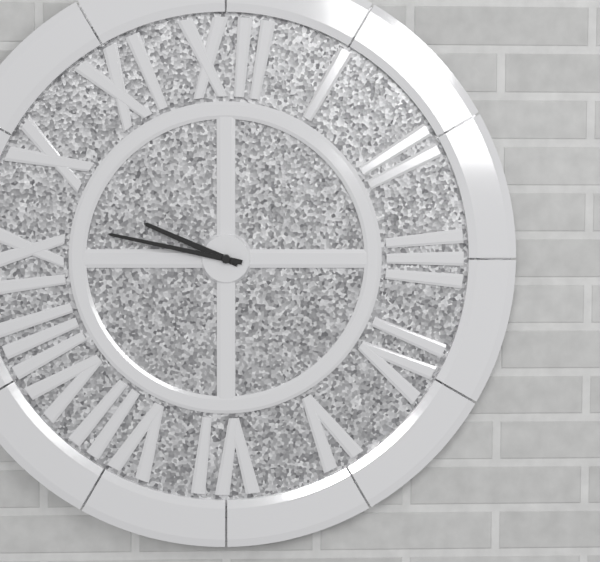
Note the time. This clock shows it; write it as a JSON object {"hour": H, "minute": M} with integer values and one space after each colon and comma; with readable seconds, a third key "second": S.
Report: {"hour": 9, "minute": 47}
